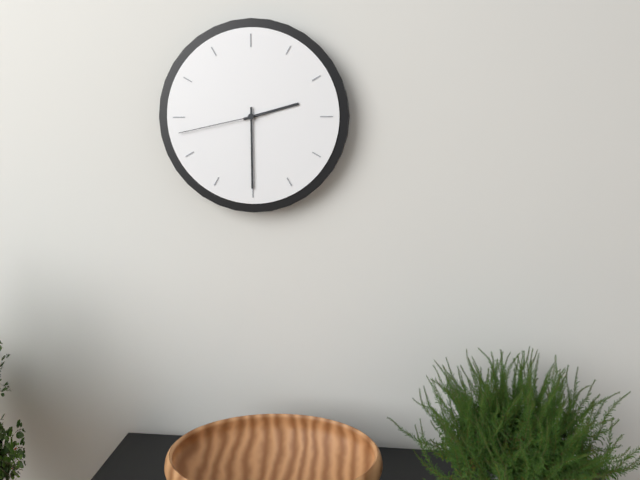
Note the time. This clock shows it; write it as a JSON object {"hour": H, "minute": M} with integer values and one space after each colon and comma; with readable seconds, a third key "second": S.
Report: {"hour": 2, "minute": 30, "second": 43}
